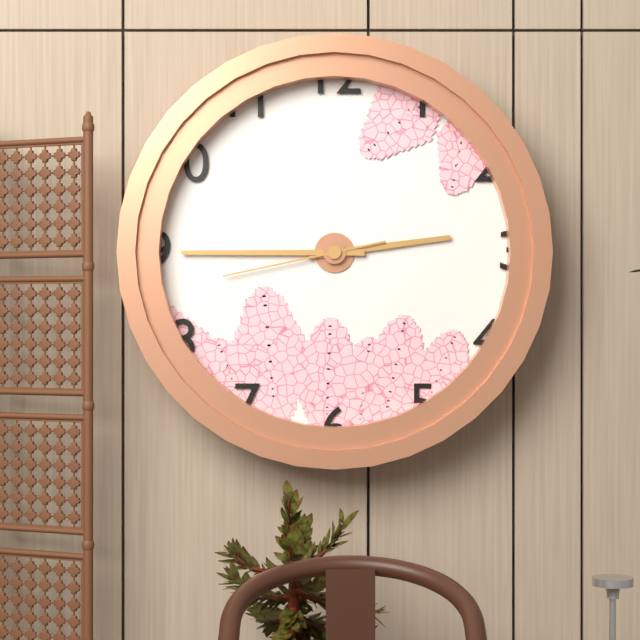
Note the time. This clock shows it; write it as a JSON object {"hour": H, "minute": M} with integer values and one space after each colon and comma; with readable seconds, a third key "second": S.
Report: {"hour": 2, "minute": 45, "second": 43}
